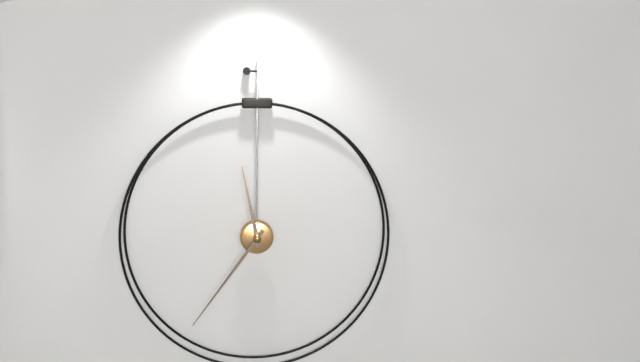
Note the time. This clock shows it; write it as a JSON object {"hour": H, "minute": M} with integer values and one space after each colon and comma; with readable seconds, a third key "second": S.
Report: {"hour": 11, "minute": 36}
